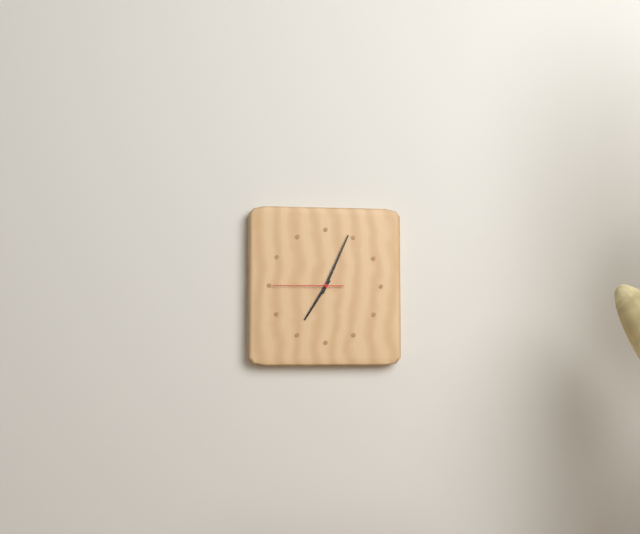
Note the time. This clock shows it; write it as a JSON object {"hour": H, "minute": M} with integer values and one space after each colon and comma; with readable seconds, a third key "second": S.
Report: {"hour": 7, "minute": 4, "second": 45}
